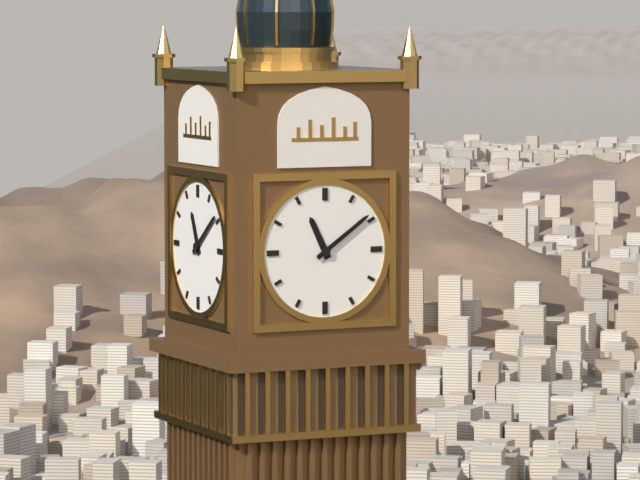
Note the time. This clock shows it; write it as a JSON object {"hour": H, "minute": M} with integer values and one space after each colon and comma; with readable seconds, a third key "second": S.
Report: {"hour": 11, "minute": 9}
